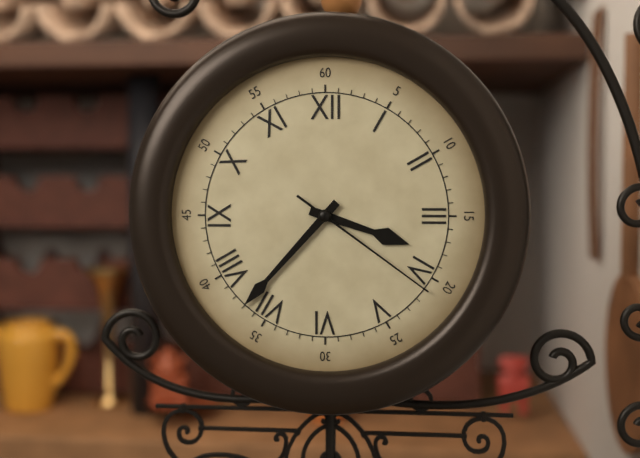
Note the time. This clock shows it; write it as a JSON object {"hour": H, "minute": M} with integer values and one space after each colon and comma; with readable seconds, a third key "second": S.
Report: {"hour": 3, "minute": 37, "second": 21}
